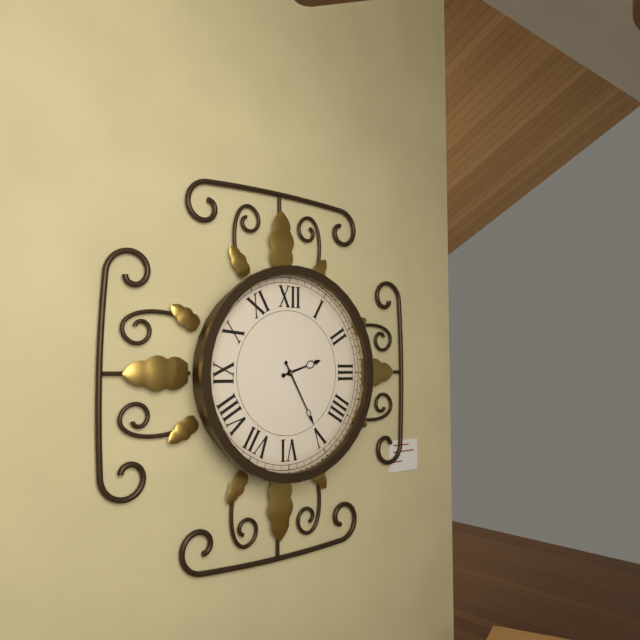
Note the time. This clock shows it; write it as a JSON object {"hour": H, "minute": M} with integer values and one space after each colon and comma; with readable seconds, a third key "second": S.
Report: {"hour": 2, "minute": 25}
